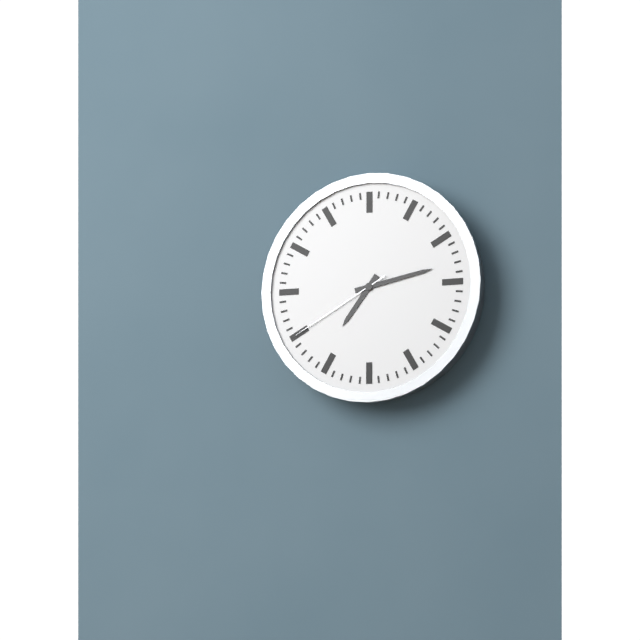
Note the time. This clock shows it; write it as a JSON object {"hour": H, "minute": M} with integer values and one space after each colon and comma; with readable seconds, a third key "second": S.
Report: {"hour": 7, "minute": 13, "second": 40}
